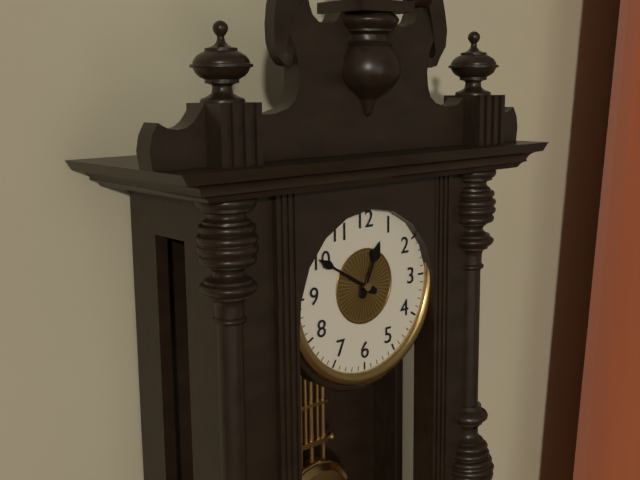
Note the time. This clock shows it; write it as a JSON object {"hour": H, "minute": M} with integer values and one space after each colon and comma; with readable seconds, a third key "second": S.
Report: {"hour": 12, "minute": 50}
